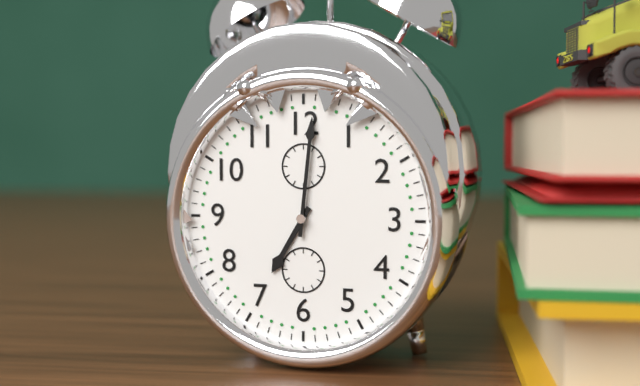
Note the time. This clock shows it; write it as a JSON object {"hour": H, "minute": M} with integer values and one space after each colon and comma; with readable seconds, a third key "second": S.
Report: {"hour": 7, "minute": 1}
